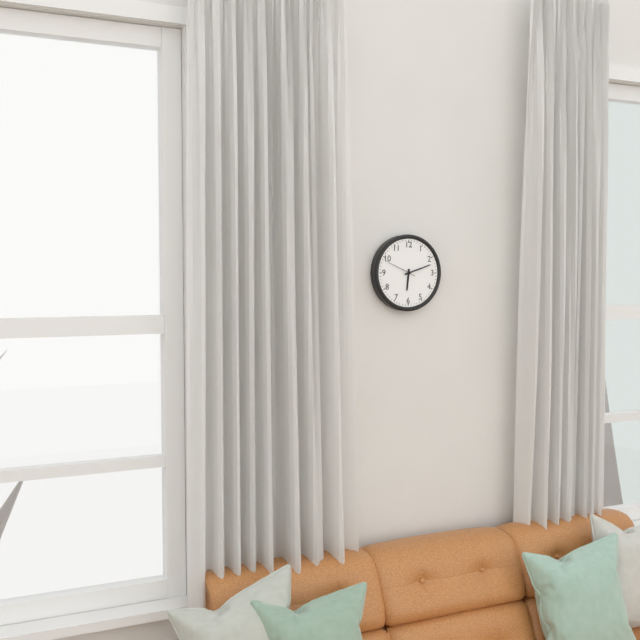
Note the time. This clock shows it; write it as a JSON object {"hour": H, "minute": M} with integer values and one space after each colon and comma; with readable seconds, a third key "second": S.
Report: {"hour": 6, "minute": 12}
